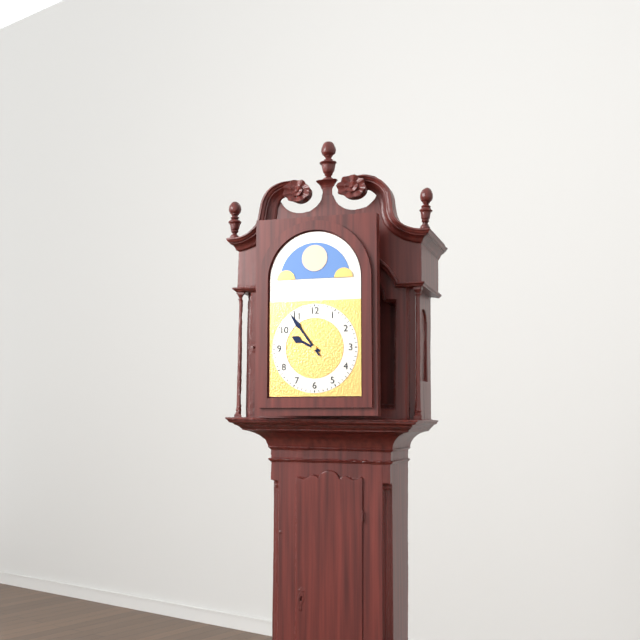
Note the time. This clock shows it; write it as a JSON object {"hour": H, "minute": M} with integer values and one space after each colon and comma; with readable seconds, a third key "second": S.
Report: {"hour": 9, "minute": 54}
